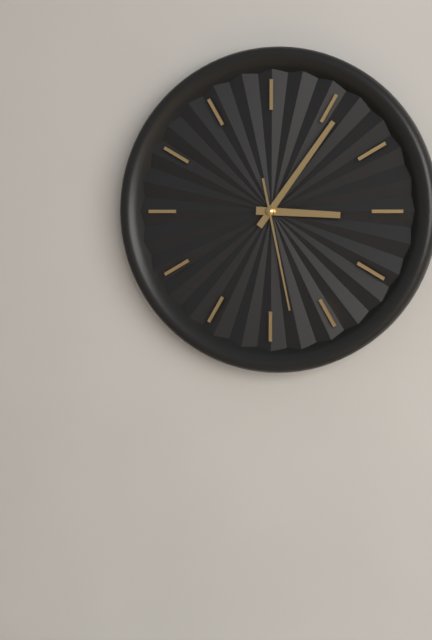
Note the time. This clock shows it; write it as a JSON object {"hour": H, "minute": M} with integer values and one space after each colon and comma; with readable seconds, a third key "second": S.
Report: {"hour": 3, "minute": 6, "second": 28}
